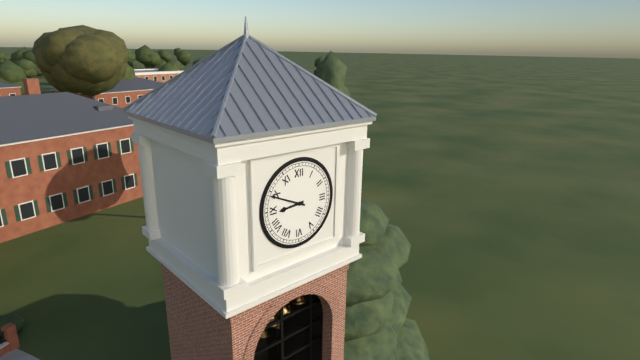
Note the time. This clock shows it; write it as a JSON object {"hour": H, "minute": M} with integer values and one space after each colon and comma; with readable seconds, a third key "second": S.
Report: {"hour": 8, "minute": 49}
